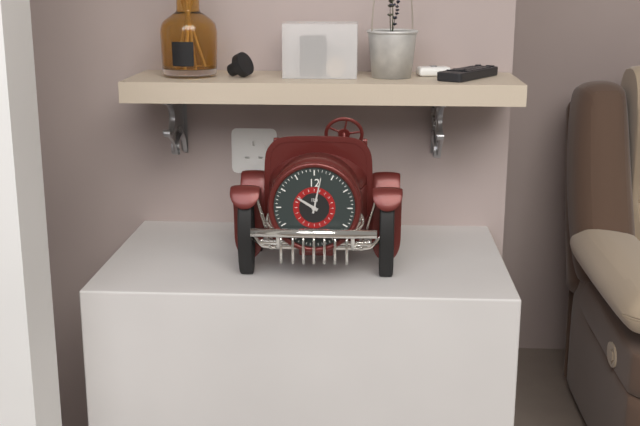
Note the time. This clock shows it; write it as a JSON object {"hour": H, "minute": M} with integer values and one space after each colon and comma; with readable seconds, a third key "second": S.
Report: {"hour": 10, "minute": 2}
